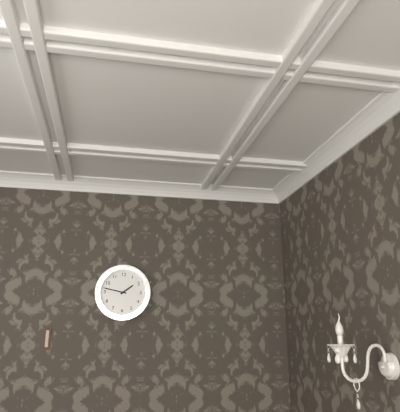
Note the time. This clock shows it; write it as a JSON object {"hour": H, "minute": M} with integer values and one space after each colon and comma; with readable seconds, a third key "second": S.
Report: {"hour": 1, "minute": 47}
